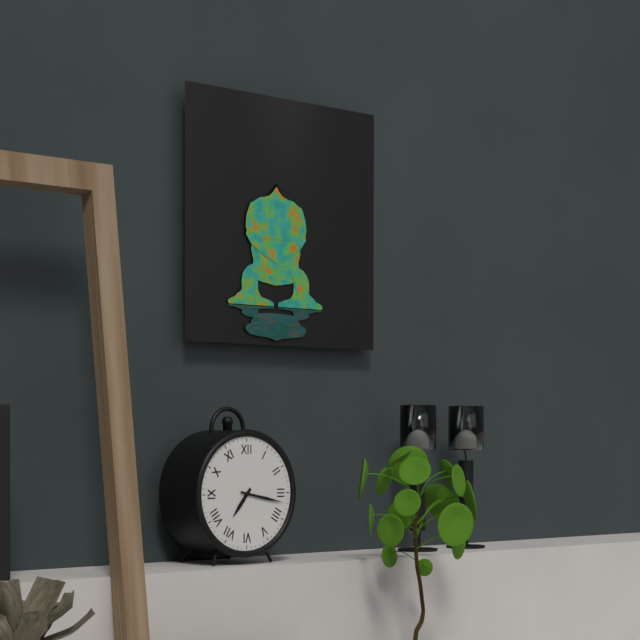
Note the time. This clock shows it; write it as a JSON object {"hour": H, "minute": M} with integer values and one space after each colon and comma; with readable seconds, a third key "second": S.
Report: {"hour": 7, "minute": 17}
